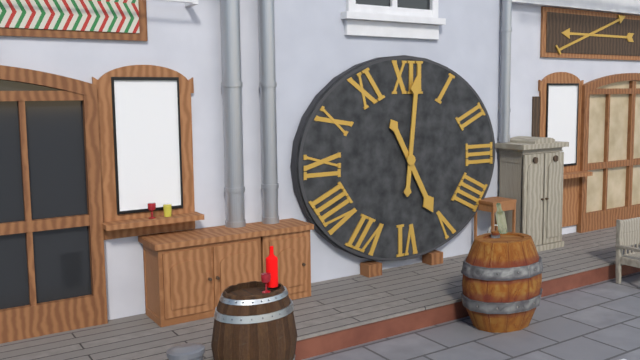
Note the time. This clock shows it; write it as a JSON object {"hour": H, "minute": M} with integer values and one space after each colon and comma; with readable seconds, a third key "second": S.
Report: {"hour": 5, "minute": 1}
